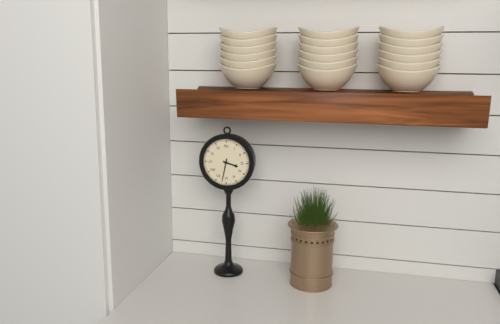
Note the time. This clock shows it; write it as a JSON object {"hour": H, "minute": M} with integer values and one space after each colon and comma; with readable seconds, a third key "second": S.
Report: {"hour": 3, "minute": 32}
